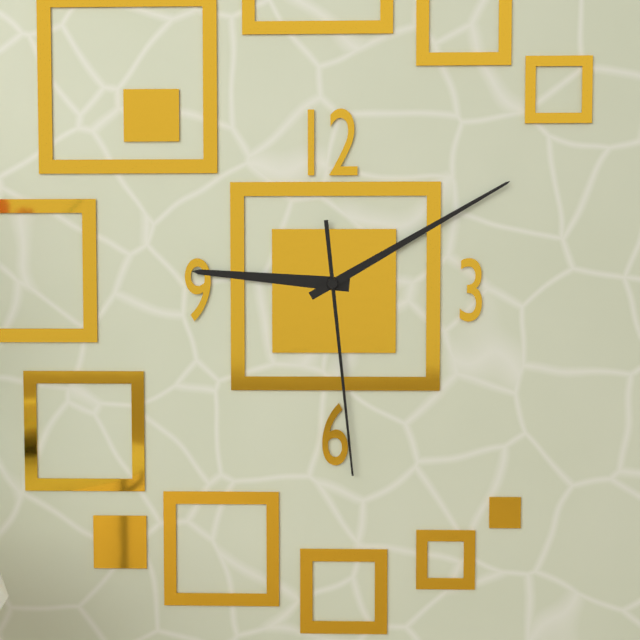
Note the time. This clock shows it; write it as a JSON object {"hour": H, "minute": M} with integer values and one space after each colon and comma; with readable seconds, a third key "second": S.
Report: {"hour": 9, "minute": 10, "second": 29}
